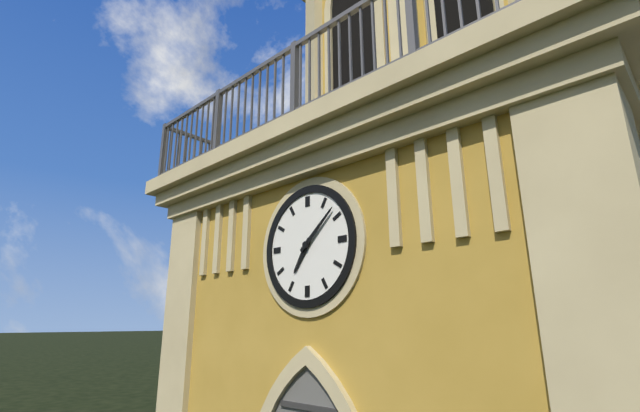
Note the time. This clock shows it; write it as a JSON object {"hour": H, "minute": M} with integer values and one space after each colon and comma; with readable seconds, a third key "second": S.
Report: {"hour": 7, "minute": 8}
